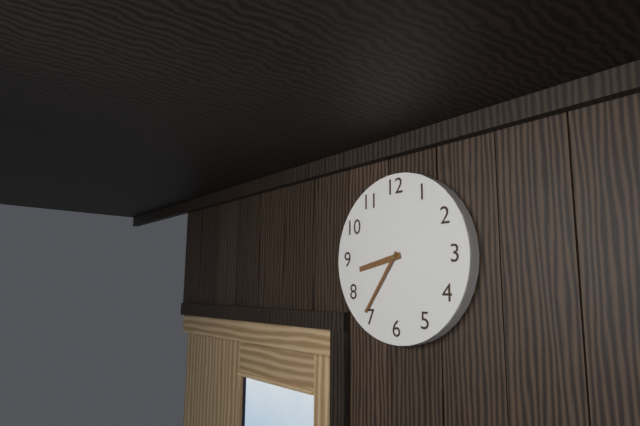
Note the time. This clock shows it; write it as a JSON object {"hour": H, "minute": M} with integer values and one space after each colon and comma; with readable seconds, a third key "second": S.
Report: {"hour": 8, "minute": 36}
